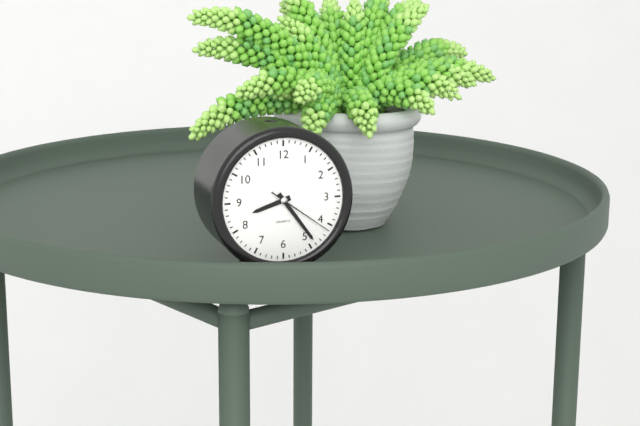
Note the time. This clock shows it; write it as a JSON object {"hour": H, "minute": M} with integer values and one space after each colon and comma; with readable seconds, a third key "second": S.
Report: {"hour": 8, "minute": 24, "second": 21}
